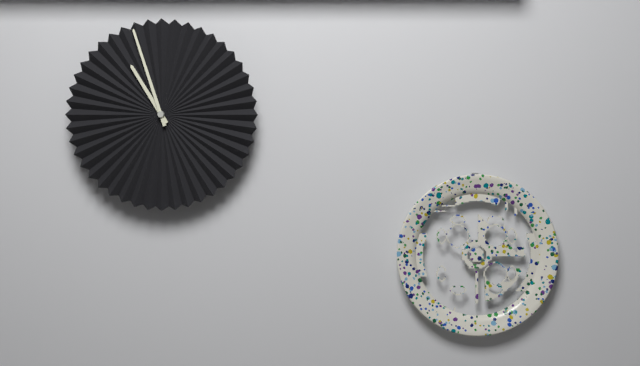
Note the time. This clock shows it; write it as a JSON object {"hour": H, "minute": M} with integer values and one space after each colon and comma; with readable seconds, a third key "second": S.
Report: {"hour": 10, "minute": 57}
